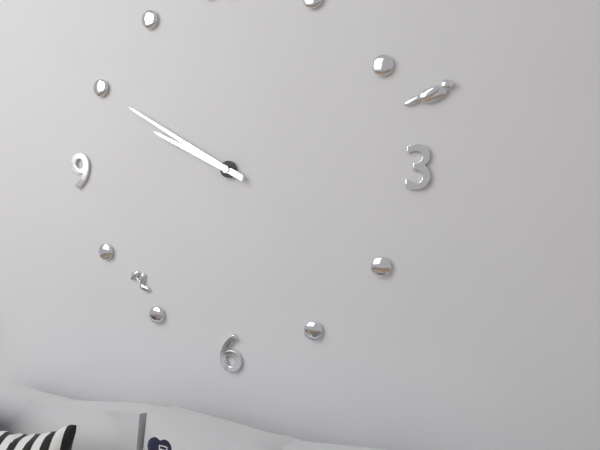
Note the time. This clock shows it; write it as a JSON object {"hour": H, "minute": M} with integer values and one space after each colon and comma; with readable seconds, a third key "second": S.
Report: {"hour": 9, "minute": 50}
